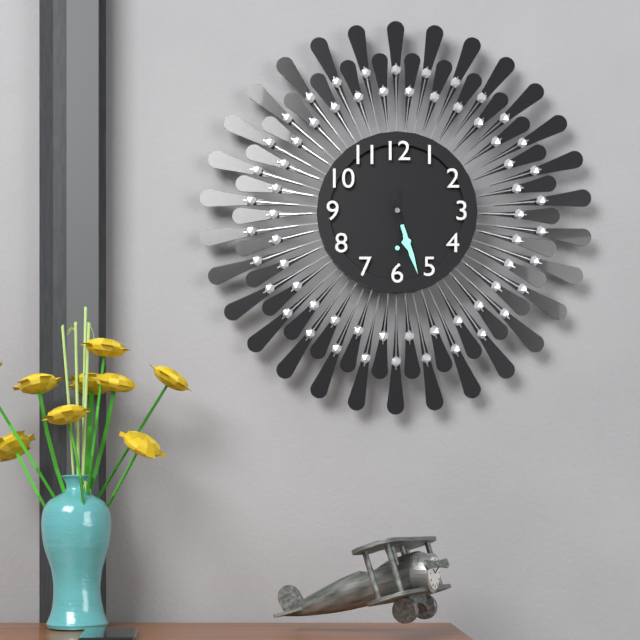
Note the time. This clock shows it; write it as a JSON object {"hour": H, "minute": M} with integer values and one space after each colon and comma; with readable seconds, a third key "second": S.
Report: {"hour": 5, "minute": 27, "second": 30}
